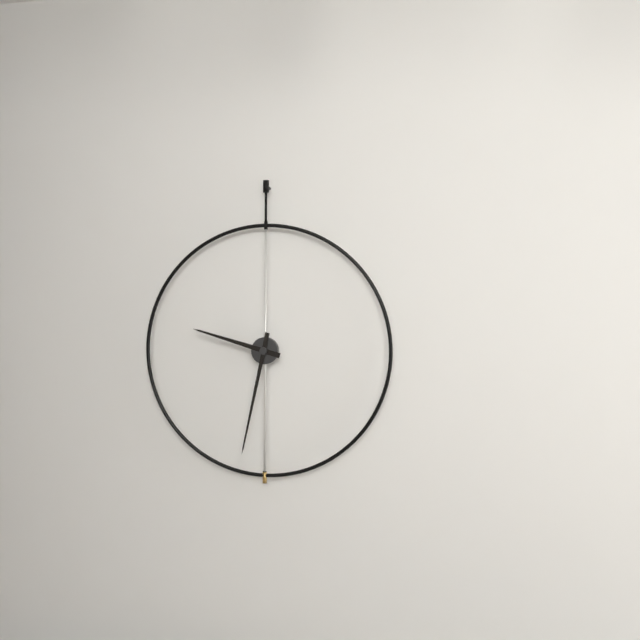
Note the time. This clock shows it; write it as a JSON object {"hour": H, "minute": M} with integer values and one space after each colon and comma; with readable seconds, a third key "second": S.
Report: {"hour": 9, "minute": 32}
